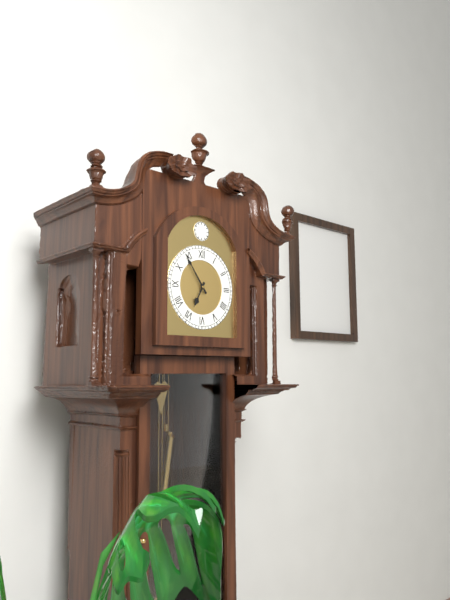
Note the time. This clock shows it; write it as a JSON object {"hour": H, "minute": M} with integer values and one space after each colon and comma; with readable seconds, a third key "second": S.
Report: {"hour": 6, "minute": 54}
